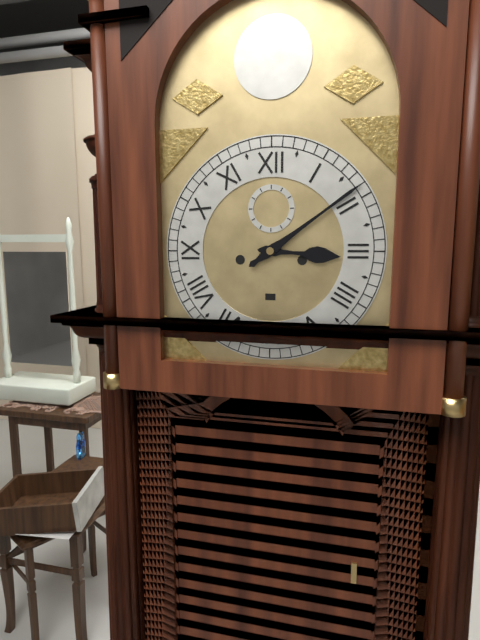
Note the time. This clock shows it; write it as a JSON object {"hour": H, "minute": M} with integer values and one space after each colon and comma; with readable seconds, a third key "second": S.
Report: {"hour": 3, "minute": 9}
